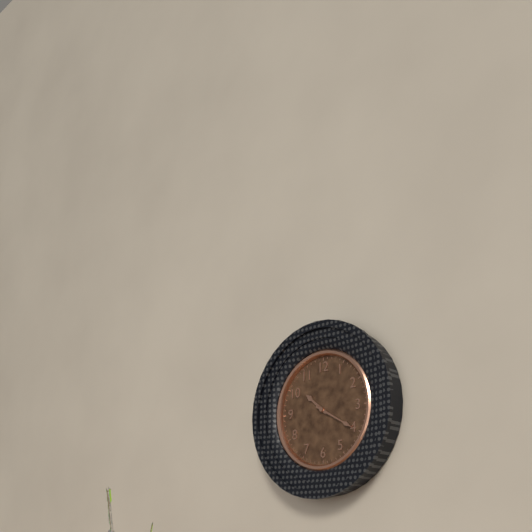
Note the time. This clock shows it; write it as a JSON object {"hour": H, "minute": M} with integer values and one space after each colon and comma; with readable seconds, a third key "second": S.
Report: {"hour": 10, "minute": 20}
